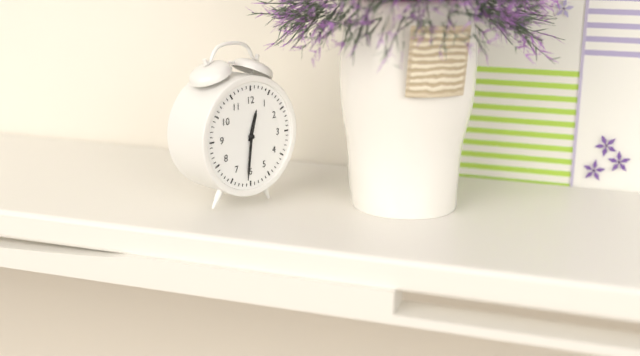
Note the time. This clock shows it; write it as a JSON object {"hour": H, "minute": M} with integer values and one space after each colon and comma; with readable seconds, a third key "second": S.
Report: {"hour": 12, "minute": 31}
